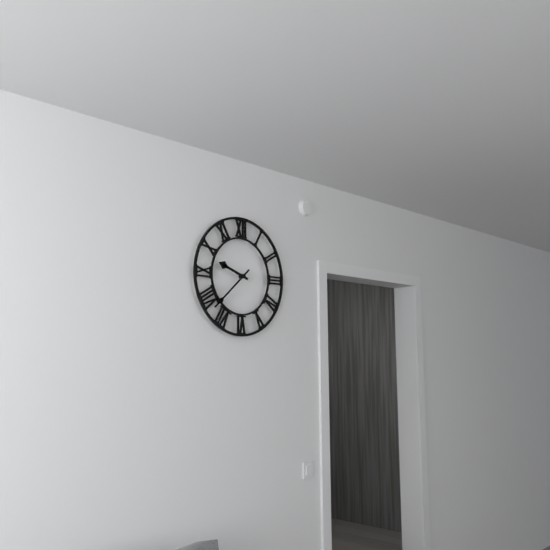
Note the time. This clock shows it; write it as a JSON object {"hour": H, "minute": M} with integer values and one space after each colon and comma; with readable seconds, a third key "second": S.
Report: {"hour": 9, "minute": 38}
